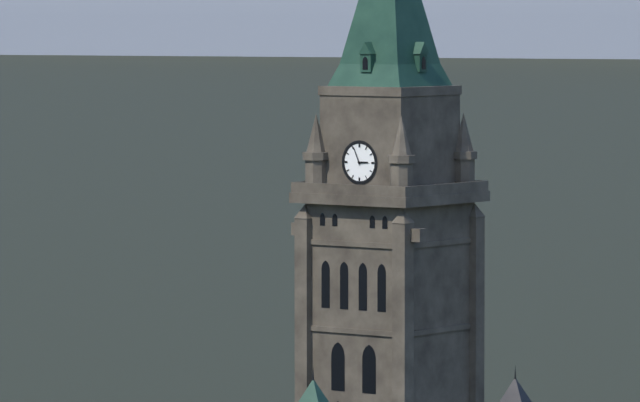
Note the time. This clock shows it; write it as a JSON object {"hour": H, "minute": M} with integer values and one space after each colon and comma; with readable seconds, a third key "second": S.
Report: {"hour": 2, "minute": 56}
